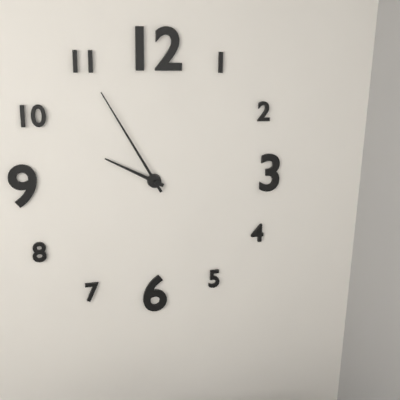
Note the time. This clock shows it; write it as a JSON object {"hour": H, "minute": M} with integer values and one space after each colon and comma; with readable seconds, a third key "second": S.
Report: {"hour": 9, "minute": 55}
